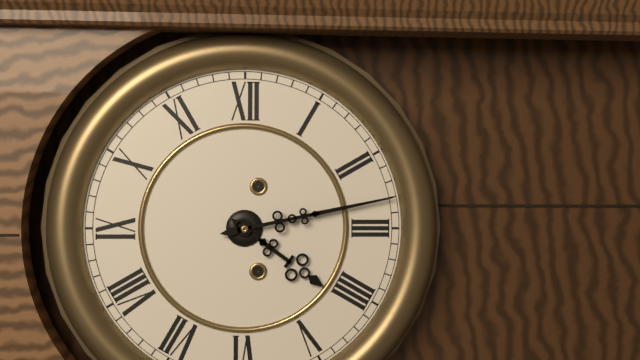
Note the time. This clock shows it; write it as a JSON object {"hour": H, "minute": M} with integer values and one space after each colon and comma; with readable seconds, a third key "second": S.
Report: {"hour": 4, "minute": 13}
